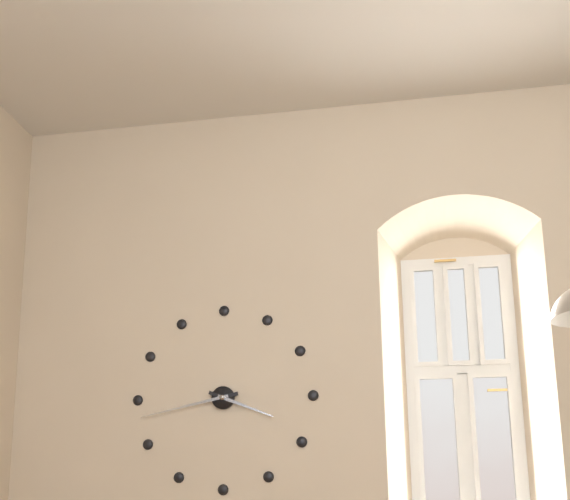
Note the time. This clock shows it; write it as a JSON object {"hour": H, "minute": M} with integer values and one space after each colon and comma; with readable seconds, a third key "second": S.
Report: {"hour": 3, "minute": 43}
